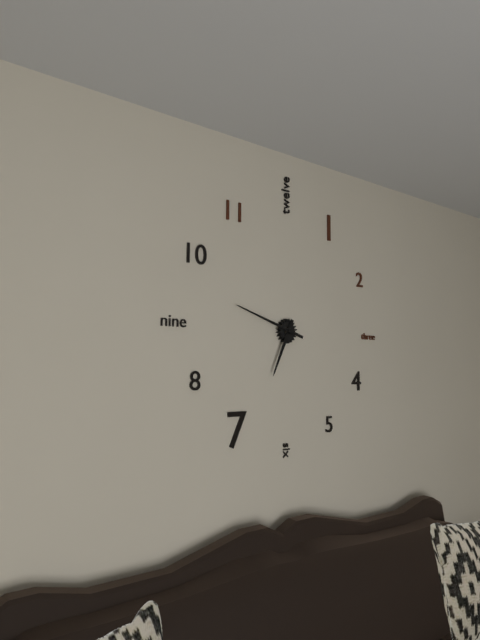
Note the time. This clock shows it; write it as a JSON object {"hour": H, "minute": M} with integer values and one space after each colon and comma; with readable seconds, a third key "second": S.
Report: {"hour": 6, "minute": 48}
